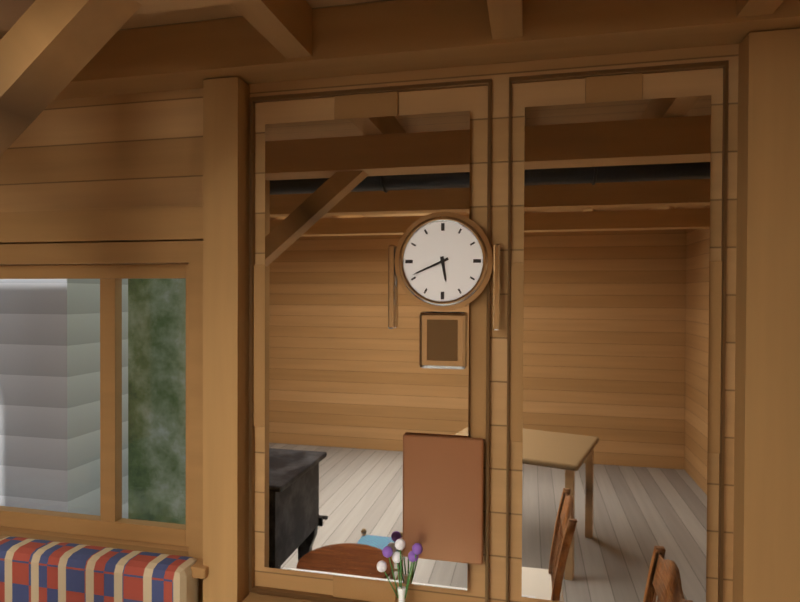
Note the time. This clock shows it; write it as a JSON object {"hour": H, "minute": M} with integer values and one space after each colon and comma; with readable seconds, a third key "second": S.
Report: {"hour": 5, "minute": 41}
